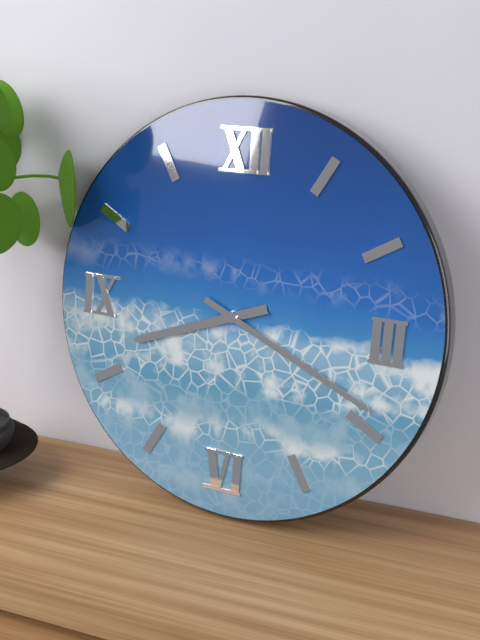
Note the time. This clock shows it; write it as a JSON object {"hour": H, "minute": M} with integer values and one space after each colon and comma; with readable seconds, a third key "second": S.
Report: {"hour": 8, "minute": 19}
